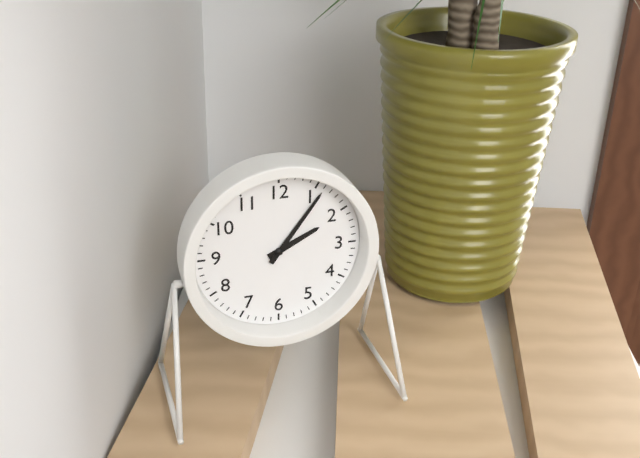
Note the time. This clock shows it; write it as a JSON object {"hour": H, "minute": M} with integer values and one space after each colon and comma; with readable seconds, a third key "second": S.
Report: {"hour": 2, "minute": 6}
